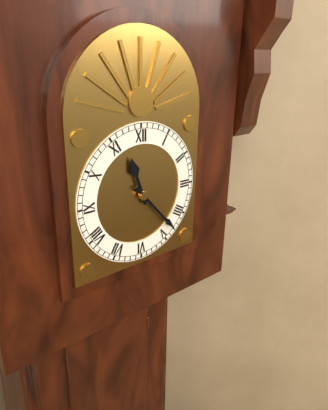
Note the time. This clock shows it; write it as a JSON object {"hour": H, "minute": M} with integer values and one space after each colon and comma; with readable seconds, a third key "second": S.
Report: {"hour": 11, "minute": 23}
